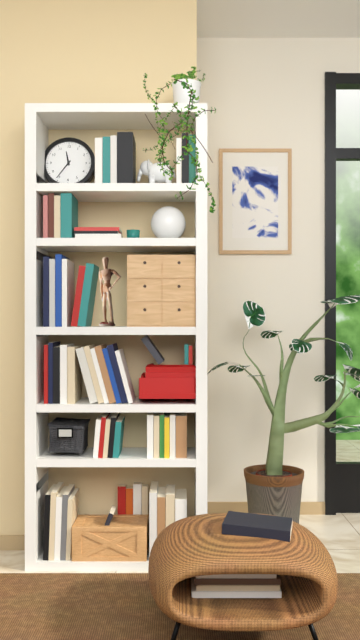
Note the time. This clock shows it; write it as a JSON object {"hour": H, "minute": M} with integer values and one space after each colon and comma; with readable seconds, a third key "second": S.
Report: {"hour": 11, "minute": 36}
